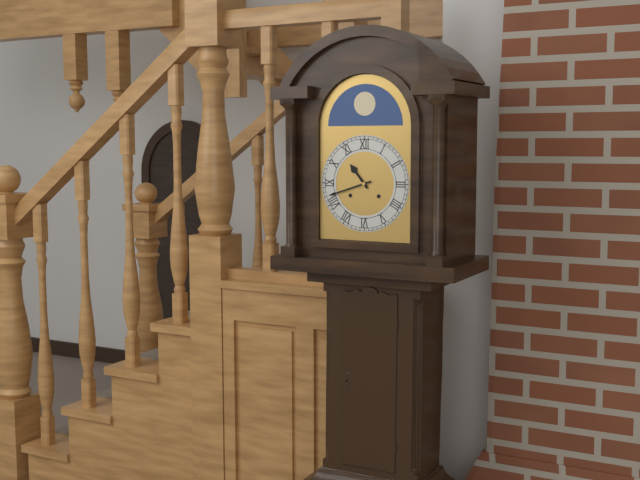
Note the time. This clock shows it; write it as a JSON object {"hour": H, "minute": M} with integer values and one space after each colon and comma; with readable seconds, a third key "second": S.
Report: {"hour": 10, "minute": 42}
